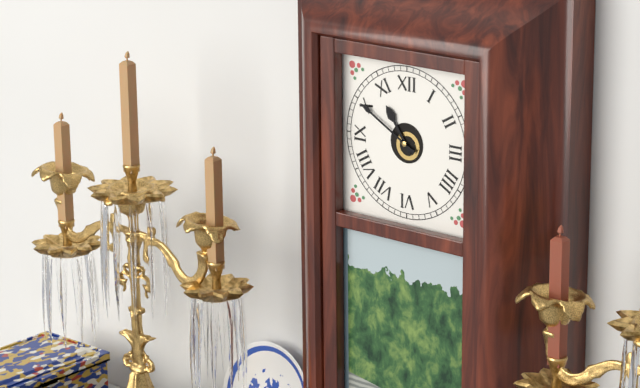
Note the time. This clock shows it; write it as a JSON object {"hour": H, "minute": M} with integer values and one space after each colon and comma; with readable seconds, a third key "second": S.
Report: {"hour": 10, "minute": 50}
